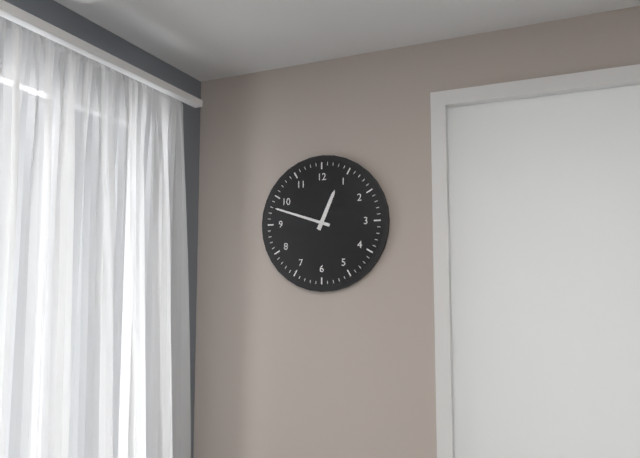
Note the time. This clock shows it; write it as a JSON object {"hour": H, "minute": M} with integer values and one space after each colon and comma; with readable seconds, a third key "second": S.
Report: {"hour": 12, "minute": 48}
